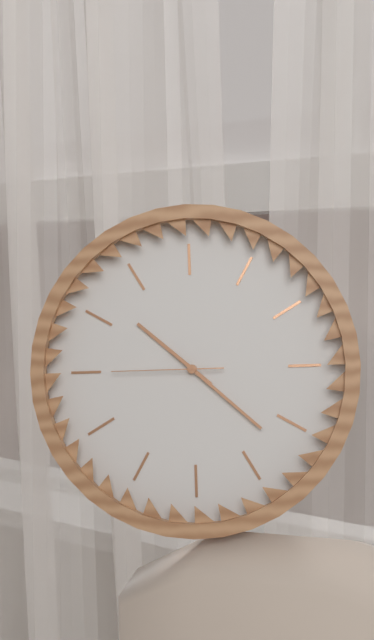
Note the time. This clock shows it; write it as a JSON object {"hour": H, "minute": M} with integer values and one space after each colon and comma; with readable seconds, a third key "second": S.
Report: {"hour": 10, "minute": 22, "second": 45}
